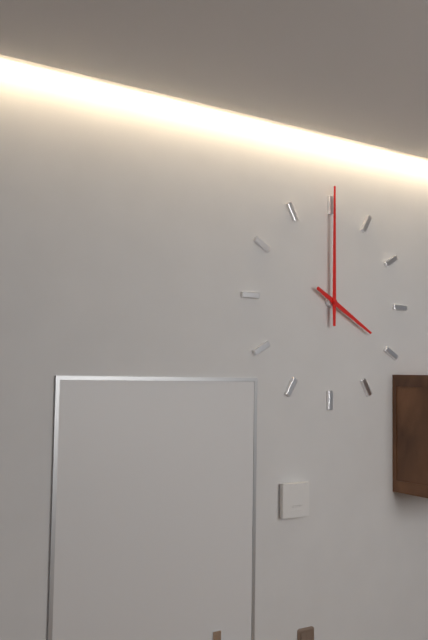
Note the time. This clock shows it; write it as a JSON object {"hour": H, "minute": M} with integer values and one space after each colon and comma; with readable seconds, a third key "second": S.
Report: {"hour": 4, "minute": 0}
